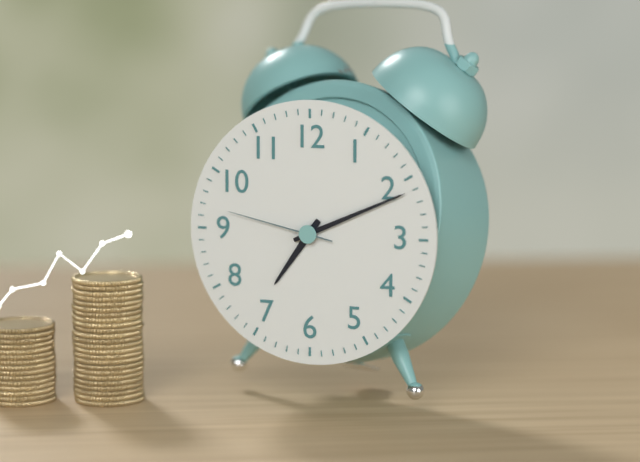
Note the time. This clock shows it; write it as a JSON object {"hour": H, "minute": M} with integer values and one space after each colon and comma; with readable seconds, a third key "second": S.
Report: {"hour": 7, "minute": 11, "second": 47}
